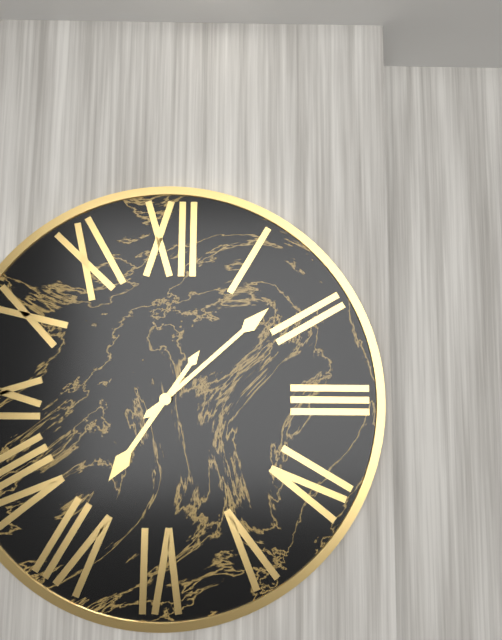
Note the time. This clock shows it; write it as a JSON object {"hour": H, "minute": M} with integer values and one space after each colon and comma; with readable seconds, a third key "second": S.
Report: {"hour": 7, "minute": 8}
